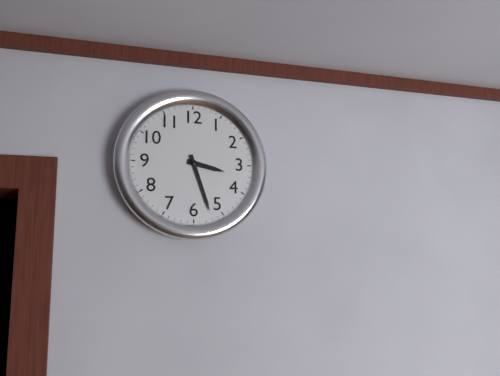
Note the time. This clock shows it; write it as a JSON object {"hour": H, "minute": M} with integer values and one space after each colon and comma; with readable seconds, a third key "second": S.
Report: {"hour": 3, "minute": 27}
